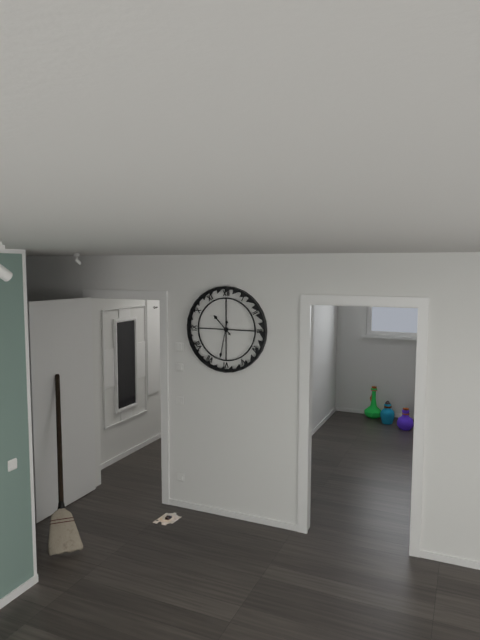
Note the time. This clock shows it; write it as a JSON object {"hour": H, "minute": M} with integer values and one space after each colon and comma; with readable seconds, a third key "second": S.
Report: {"hour": 10, "minute": 32}
